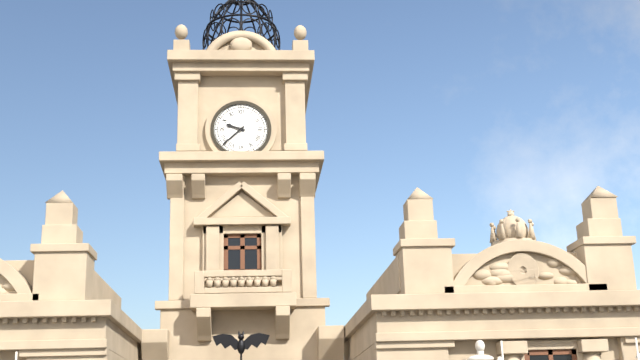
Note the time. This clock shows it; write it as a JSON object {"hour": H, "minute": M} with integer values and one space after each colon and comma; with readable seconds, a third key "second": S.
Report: {"hour": 9, "minute": 38}
